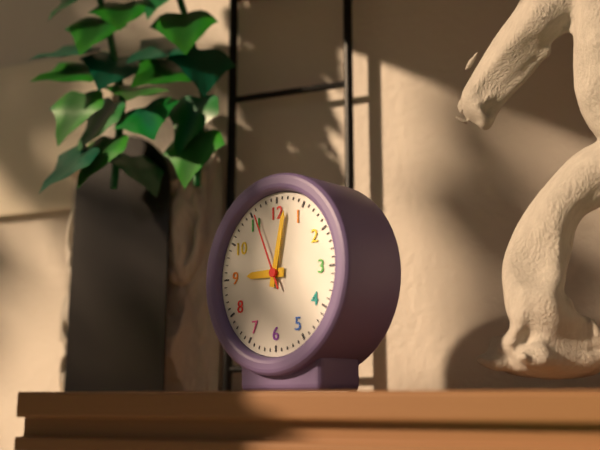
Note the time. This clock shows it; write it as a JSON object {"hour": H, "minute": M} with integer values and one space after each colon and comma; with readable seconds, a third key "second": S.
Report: {"hour": 9, "minute": 2, "second": 56}
